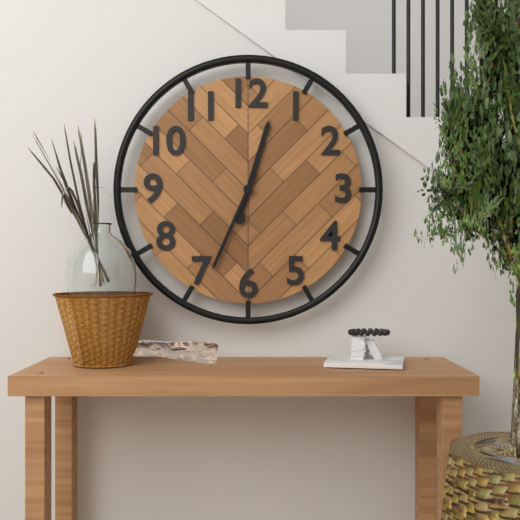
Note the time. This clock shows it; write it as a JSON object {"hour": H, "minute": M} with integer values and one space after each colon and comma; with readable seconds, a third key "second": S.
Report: {"hour": 12, "minute": 34}
